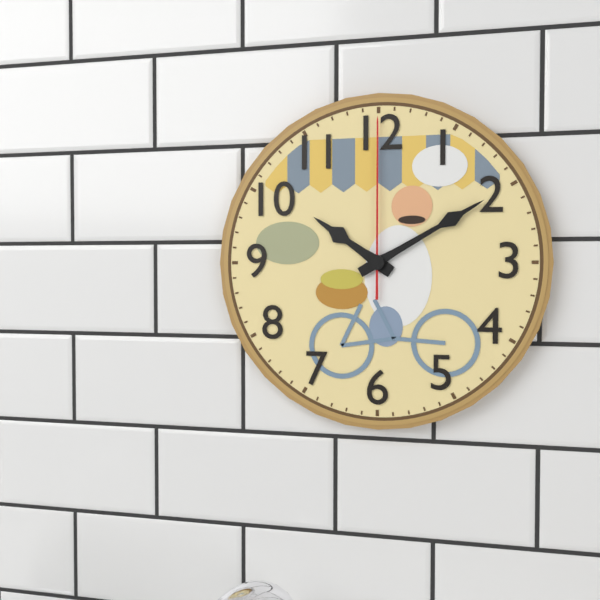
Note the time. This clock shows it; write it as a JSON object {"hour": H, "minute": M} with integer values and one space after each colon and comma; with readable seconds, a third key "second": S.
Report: {"hour": 10, "minute": 10, "second": 0}
